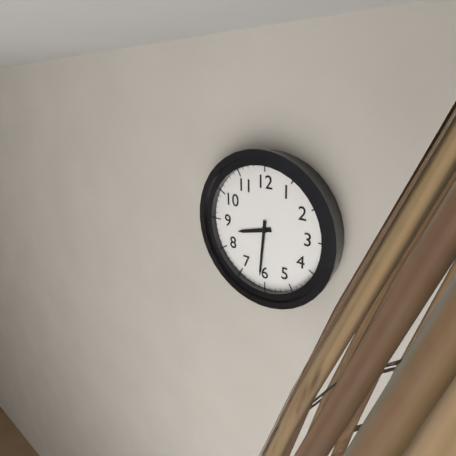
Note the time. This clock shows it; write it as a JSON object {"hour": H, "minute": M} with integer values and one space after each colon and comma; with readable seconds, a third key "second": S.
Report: {"hour": 8, "minute": 31}
